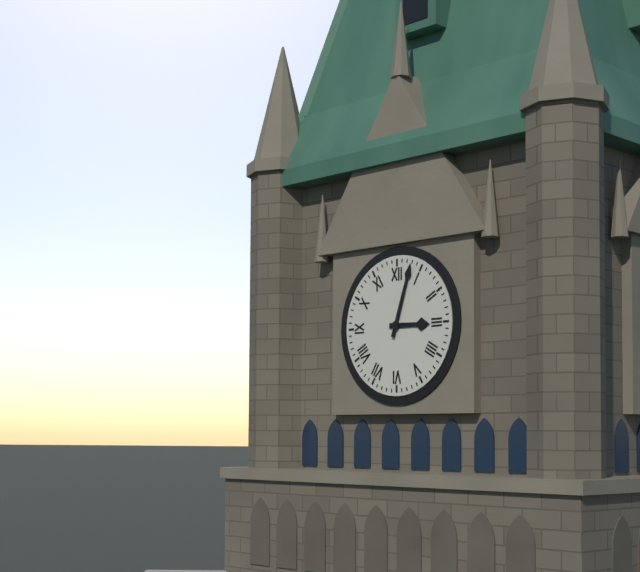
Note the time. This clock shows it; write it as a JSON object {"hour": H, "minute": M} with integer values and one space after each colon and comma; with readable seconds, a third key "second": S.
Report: {"hour": 3, "minute": 3}
